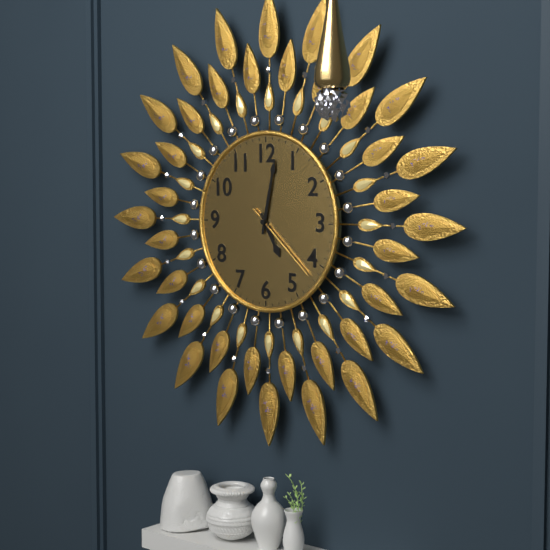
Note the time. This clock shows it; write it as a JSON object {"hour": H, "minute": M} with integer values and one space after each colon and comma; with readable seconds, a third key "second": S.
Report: {"hour": 5, "minute": 2, "second": 22}
